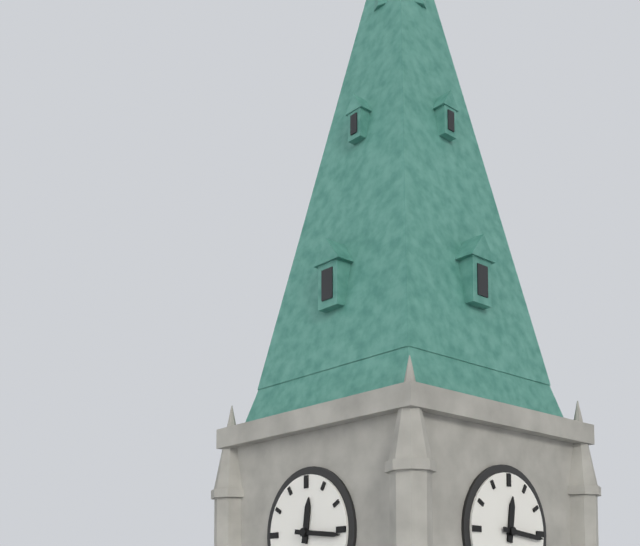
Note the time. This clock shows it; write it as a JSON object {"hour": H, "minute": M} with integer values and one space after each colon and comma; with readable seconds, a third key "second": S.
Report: {"hour": 12, "minute": 16}
